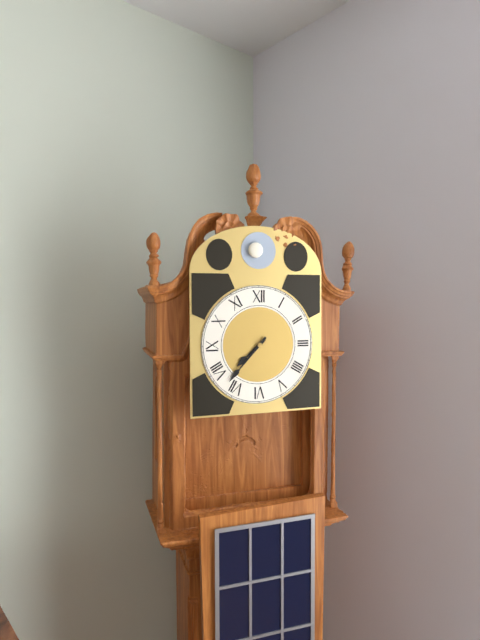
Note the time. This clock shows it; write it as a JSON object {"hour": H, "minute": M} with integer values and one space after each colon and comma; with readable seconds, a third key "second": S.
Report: {"hour": 7, "minute": 37}
